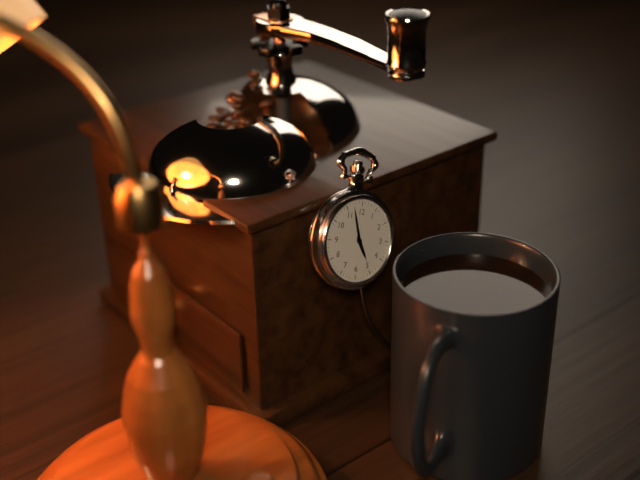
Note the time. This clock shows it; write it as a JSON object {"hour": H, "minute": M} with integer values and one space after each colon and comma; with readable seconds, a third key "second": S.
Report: {"hour": 4, "minute": 57}
